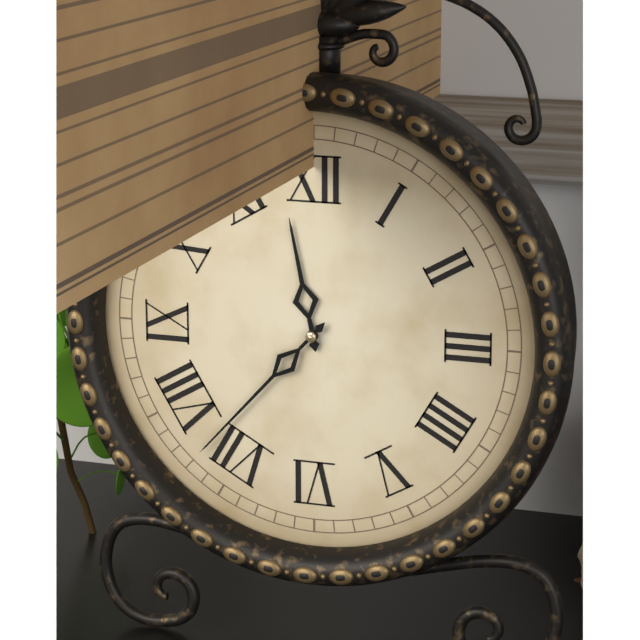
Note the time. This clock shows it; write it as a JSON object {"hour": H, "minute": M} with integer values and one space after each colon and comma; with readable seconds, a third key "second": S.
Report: {"hour": 11, "minute": 37}
